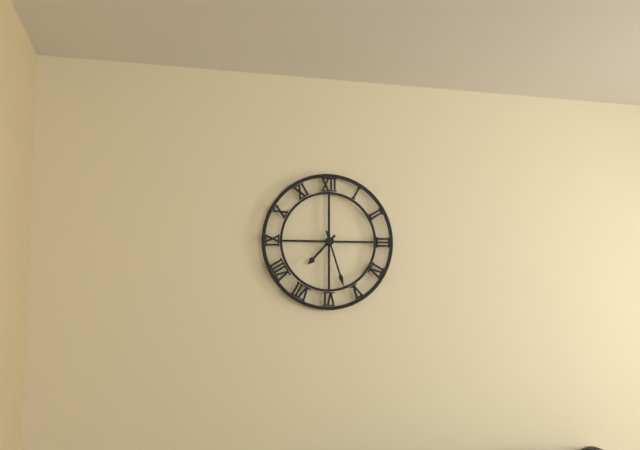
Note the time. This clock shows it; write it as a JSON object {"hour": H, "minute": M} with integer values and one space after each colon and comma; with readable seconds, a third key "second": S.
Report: {"hour": 7, "minute": 27}
